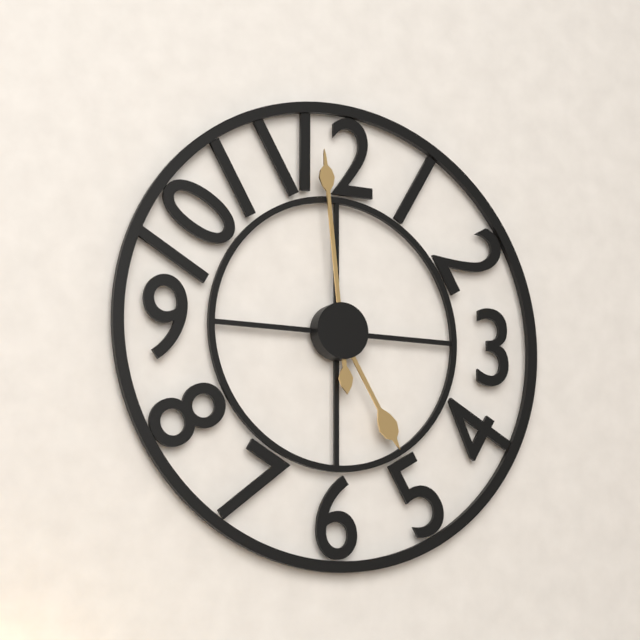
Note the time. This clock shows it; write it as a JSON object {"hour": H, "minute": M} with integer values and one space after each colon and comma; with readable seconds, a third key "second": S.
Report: {"hour": 4, "minute": 59}
